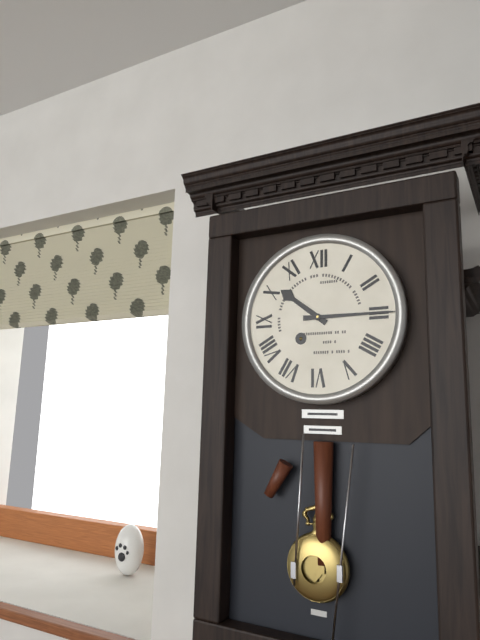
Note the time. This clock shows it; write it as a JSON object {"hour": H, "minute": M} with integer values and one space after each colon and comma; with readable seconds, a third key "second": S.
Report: {"hour": 10, "minute": 15}
